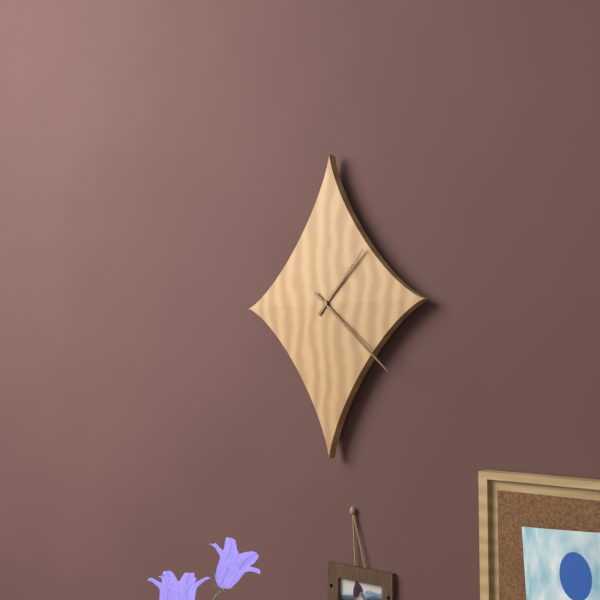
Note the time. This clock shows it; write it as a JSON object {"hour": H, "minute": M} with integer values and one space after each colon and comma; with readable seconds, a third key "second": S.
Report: {"hour": 1, "minute": 22}
